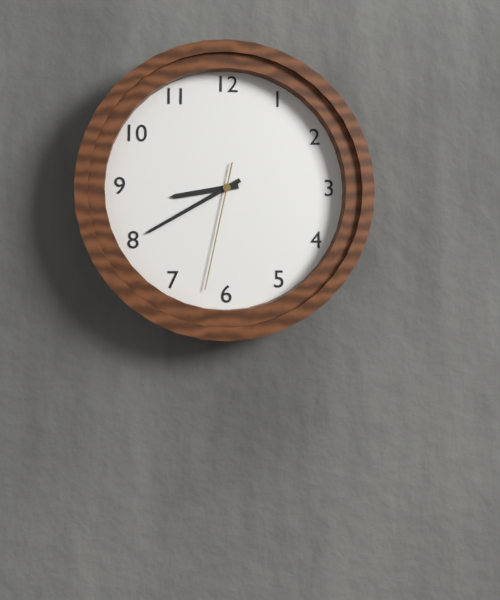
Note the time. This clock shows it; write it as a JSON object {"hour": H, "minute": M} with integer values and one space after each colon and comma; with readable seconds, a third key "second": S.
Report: {"hour": 8, "minute": 40, "second": 32}
